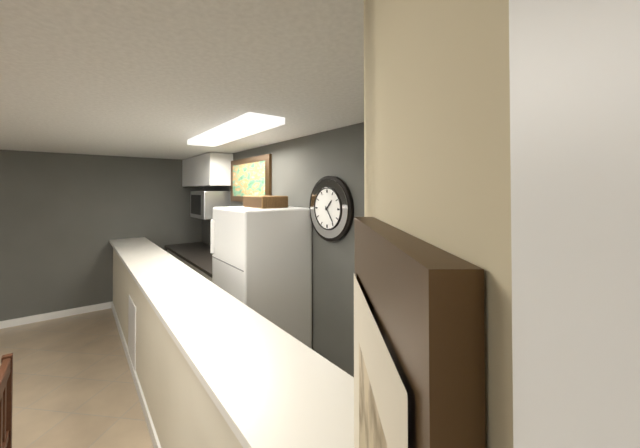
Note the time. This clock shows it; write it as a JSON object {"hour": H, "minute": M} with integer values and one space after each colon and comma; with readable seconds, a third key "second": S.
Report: {"hour": 1, "minute": 24}
